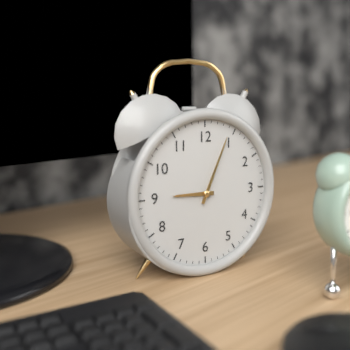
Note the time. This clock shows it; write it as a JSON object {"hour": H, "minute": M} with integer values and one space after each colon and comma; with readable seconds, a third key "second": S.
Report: {"hour": 9, "minute": 4}
